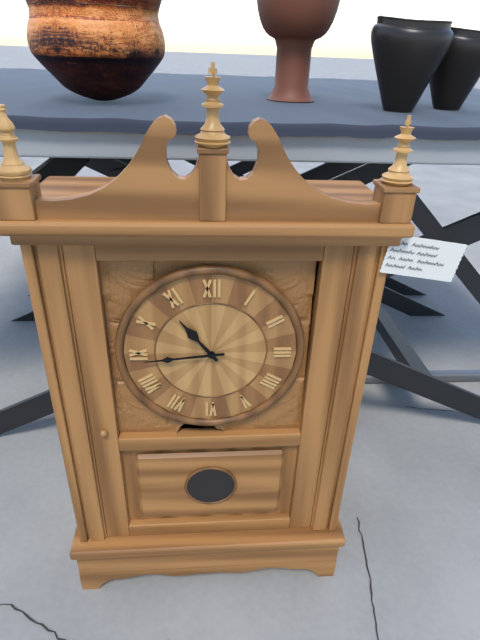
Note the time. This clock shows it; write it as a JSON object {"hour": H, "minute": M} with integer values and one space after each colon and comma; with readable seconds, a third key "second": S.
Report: {"hour": 10, "minute": 44}
